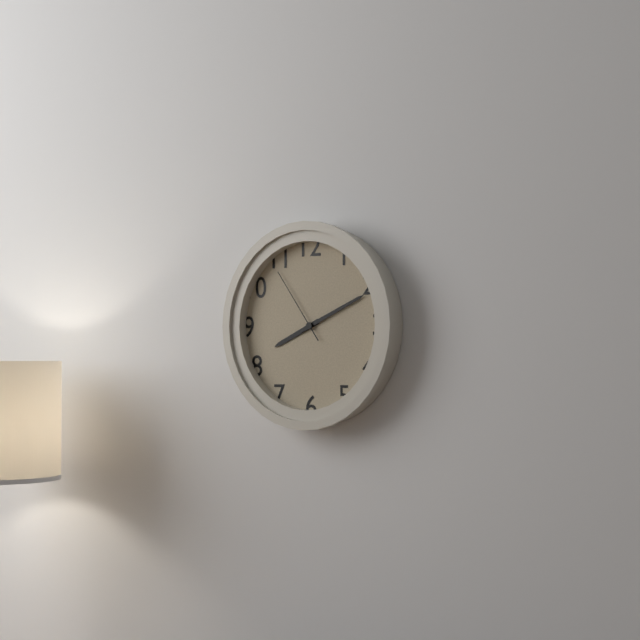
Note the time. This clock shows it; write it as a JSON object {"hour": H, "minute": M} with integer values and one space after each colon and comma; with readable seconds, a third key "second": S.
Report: {"hour": 8, "minute": 11, "second": 54}
